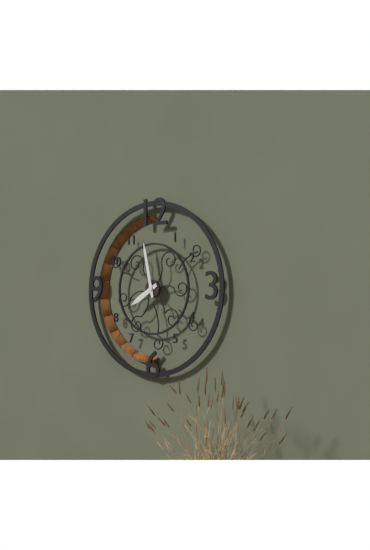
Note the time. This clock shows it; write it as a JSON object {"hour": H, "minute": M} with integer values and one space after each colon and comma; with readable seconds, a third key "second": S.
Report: {"hour": 7, "minute": 58}
